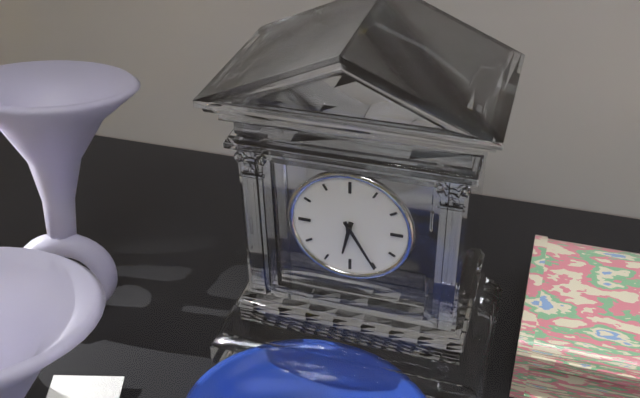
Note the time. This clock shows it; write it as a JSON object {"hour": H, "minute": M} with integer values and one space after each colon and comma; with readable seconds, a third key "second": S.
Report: {"hour": 6, "minute": 25}
